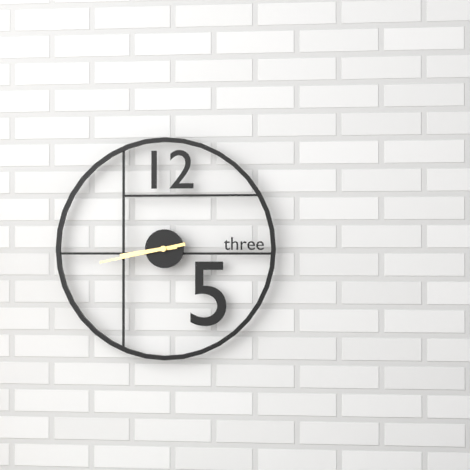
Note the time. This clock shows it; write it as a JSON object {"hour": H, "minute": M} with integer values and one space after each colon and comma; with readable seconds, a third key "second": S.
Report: {"hour": 8, "minute": 43}
